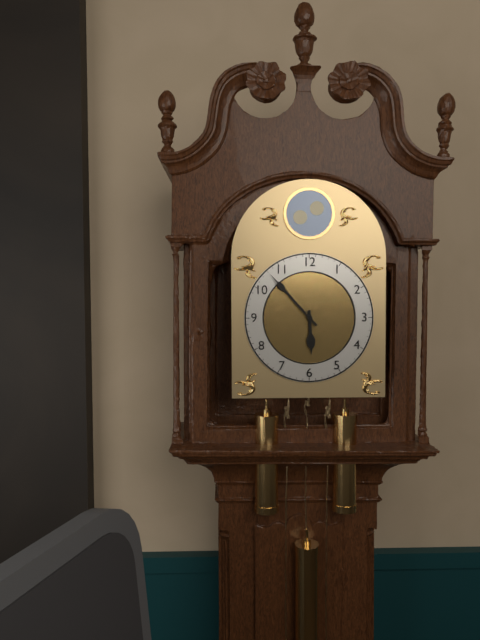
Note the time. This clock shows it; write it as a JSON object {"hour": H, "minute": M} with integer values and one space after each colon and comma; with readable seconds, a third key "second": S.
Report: {"hour": 5, "minute": 53}
